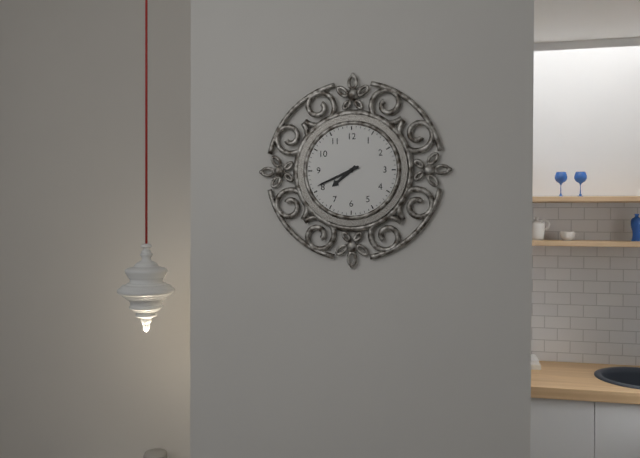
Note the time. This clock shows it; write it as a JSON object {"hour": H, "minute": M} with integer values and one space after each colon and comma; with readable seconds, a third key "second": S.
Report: {"hour": 7, "minute": 41}
